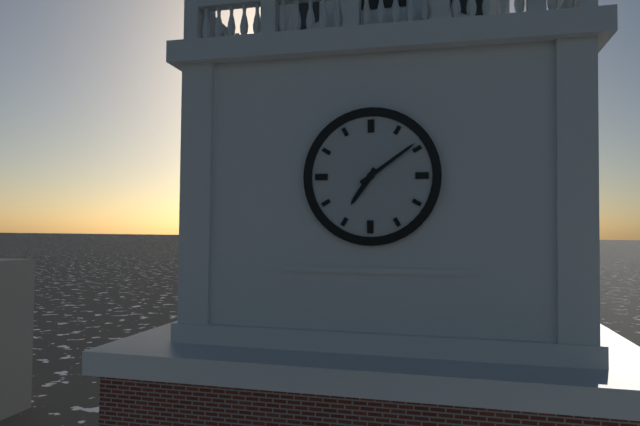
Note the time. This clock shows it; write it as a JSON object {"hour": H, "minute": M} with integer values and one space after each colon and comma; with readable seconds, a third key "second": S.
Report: {"hour": 7, "minute": 9}
